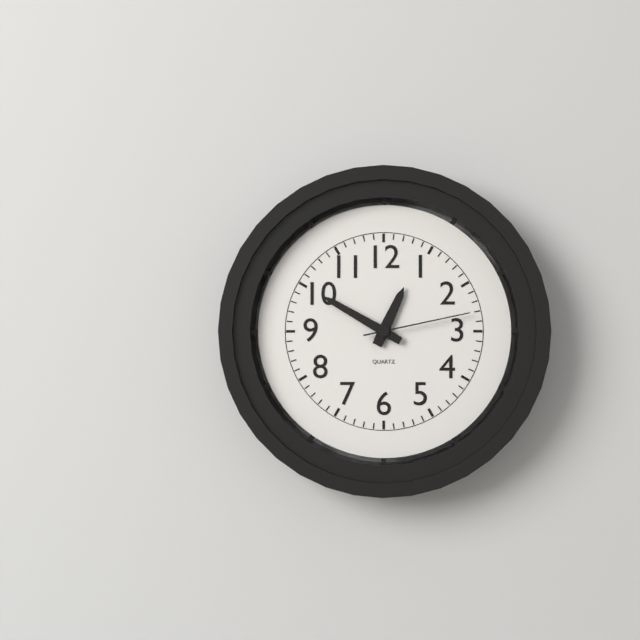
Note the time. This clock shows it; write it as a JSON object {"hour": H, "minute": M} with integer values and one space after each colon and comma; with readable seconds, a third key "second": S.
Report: {"hour": 12, "minute": 50, "second": 13}
